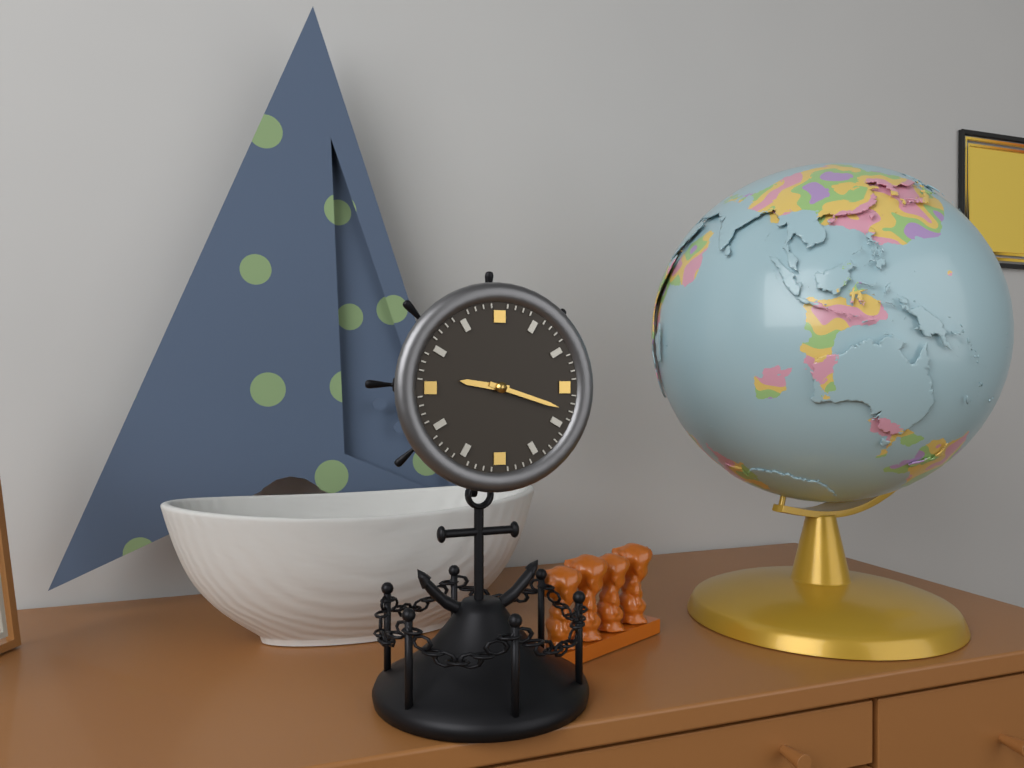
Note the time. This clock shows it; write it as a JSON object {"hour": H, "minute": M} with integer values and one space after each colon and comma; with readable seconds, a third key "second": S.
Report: {"hour": 9, "minute": 18}
